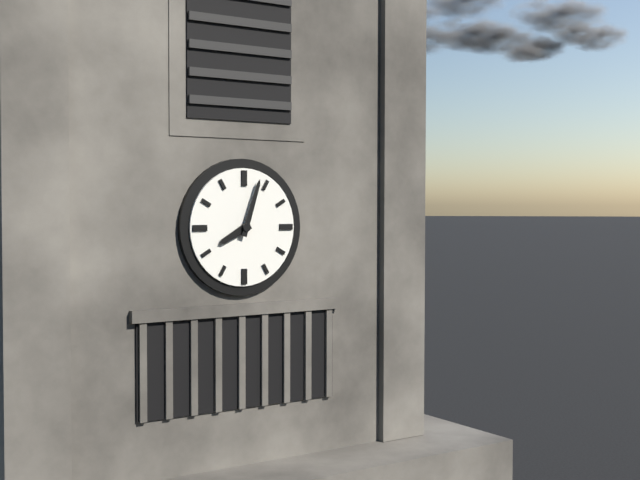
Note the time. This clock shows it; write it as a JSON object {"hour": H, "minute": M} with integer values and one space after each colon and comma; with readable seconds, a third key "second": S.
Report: {"hour": 8, "minute": 3}
